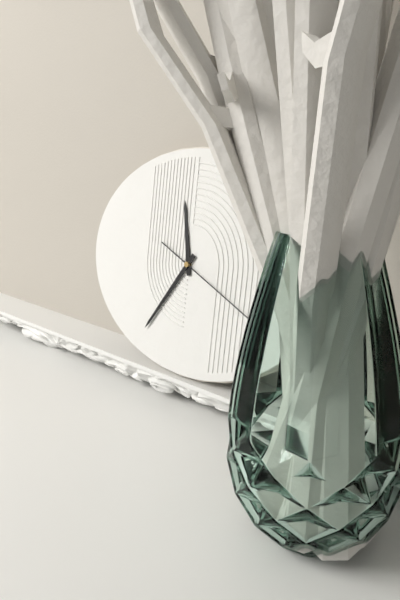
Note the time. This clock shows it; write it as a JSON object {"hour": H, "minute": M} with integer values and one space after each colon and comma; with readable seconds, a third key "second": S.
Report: {"hour": 11, "minute": 36, "second": 19}
